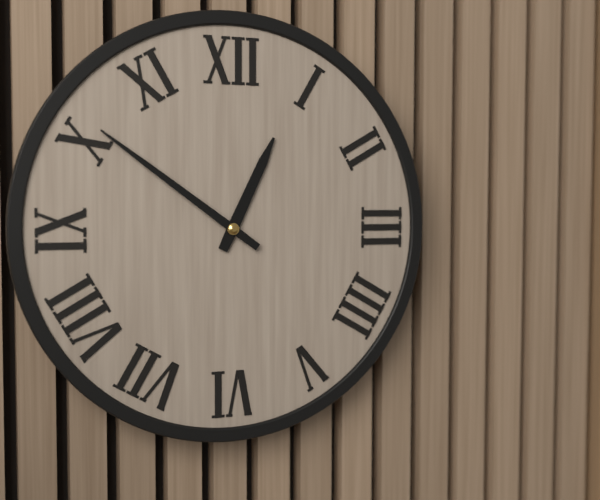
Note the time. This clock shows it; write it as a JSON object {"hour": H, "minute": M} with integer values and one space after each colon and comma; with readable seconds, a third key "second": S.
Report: {"hour": 12, "minute": 51}
